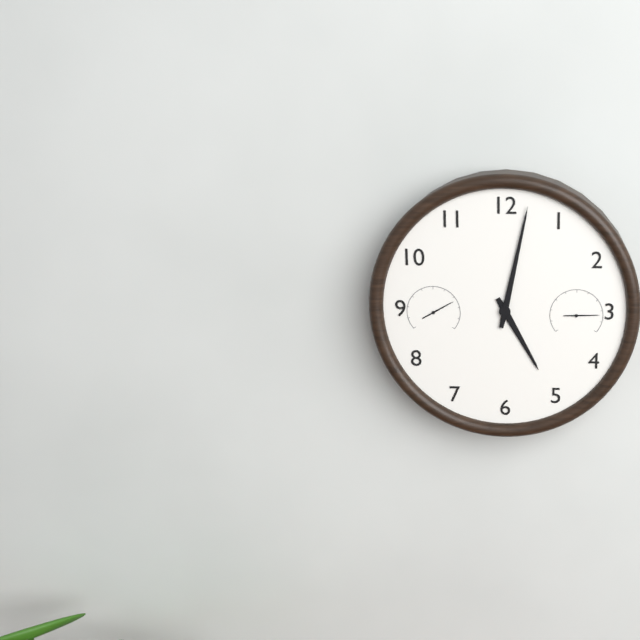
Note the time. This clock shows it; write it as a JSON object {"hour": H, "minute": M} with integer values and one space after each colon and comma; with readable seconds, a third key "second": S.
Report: {"hour": 5, "minute": 2}
